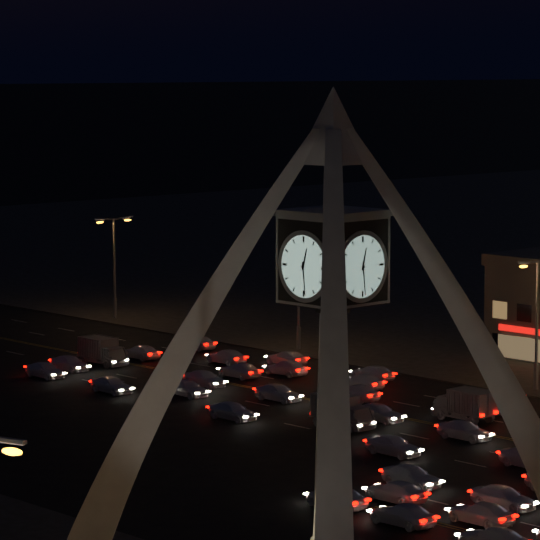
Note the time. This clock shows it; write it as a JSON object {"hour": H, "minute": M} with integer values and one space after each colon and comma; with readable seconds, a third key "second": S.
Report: {"hour": 12, "minute": 29}
